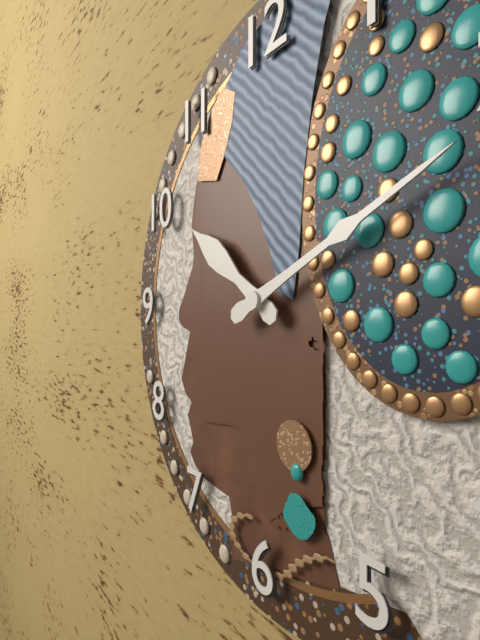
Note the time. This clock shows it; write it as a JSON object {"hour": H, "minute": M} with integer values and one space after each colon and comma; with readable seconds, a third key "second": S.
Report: {"hour": 10, "minute": 11}
